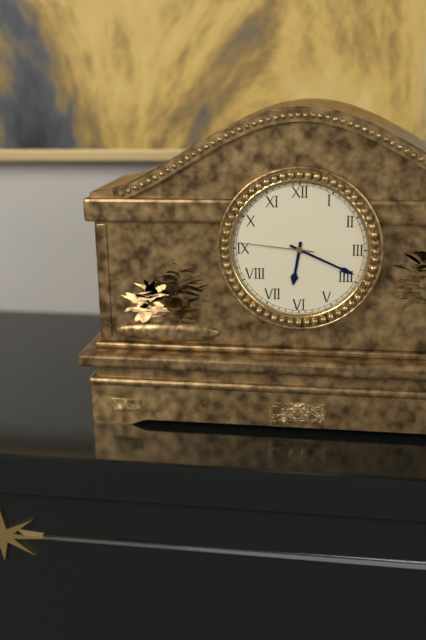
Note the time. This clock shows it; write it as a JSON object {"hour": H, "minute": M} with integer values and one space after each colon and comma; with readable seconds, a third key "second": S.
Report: {"hour": 6, "minute": 19, "second": 46}
